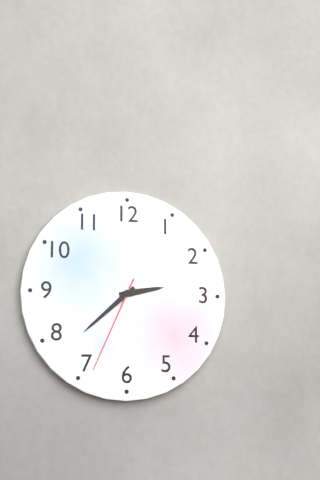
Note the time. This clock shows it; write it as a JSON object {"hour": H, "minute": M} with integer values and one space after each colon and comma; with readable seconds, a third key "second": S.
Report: {"hour": 2, "minute": 38, "second": 34}
